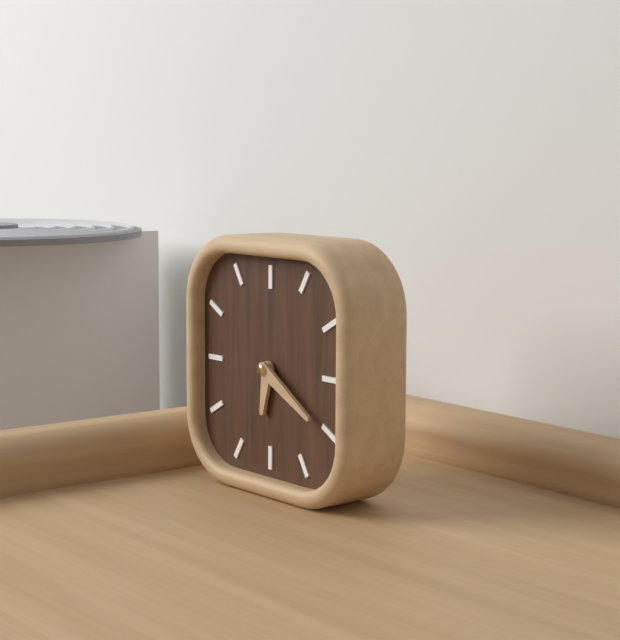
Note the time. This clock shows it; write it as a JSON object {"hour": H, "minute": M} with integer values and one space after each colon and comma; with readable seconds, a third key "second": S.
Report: {"hour": 6, "minute": 20}
